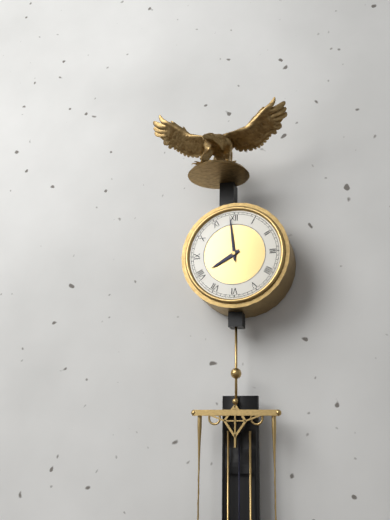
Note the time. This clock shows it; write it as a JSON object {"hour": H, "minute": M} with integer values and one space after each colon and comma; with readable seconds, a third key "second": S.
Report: {"hour": 7, "minute": 59}
